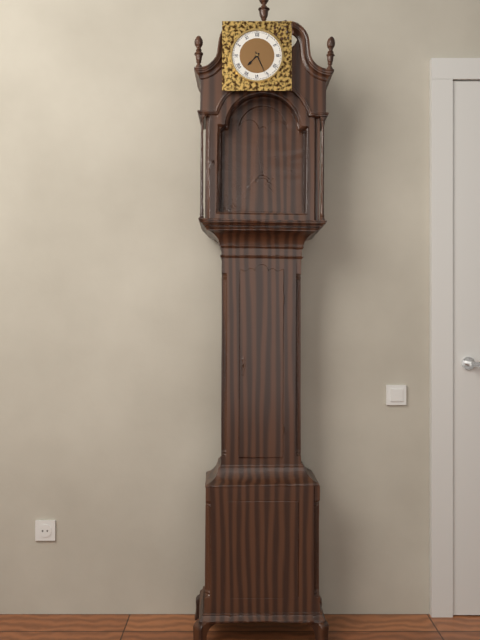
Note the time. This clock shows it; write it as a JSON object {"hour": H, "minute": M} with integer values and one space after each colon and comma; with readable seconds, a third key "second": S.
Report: {"hour": 7, "minute": 26}
